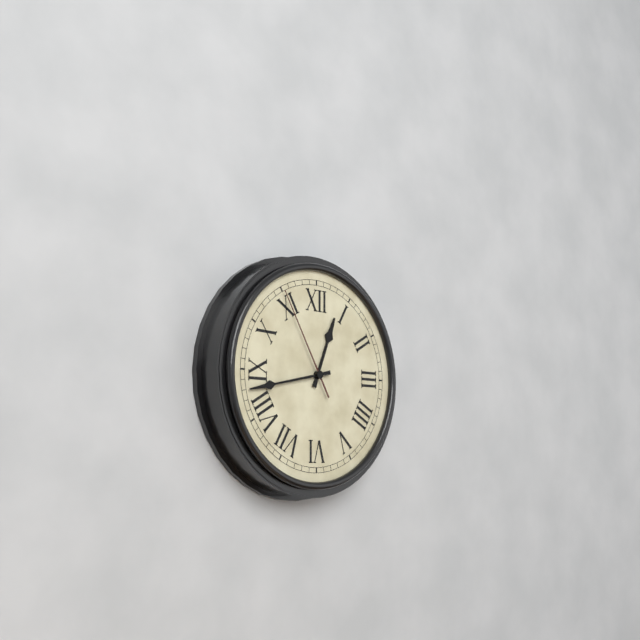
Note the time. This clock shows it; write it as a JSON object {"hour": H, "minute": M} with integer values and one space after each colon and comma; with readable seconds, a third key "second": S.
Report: {"hour": 12, "minute": 43, "second": 55}
